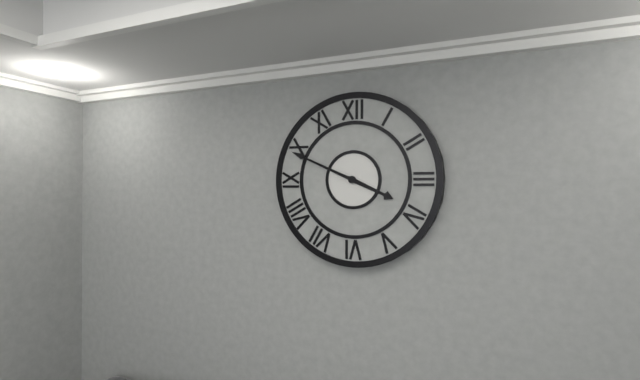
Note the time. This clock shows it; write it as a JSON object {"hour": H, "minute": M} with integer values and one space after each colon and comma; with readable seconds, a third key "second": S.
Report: {"hour": 3, "minute": 49}
